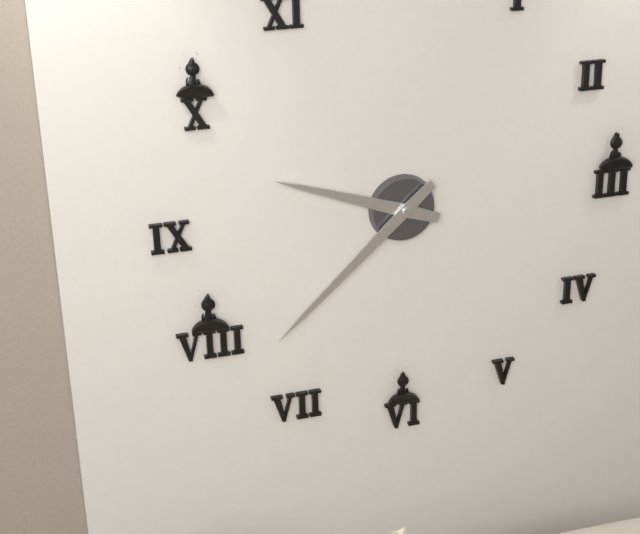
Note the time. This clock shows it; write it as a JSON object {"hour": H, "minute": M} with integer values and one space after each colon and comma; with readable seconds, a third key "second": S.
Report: {"hour": 9, "minute": 38}
